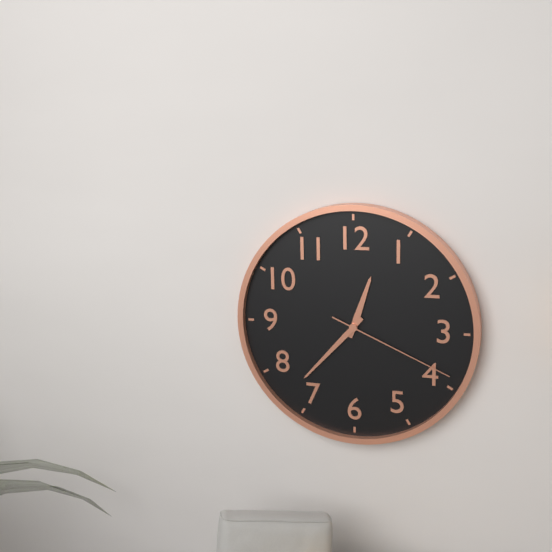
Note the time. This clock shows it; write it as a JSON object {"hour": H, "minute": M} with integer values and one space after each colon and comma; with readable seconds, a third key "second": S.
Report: {"hour": 12, "minute": 37, "second": 19}
